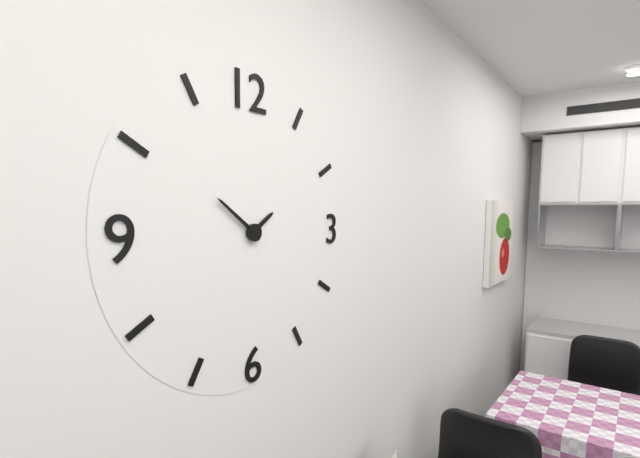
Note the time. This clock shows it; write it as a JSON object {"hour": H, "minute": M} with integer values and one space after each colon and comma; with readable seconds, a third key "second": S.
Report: {"hour": 1, "minute": 51}
